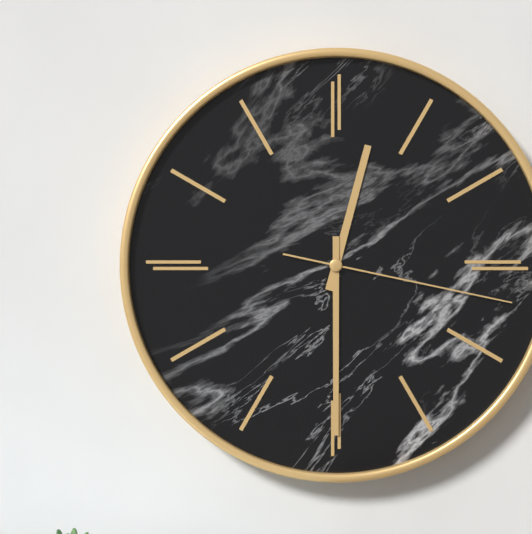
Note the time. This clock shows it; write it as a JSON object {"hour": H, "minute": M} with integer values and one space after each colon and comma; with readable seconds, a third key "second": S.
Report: {"hour": 12, "minute": 30, "second": 17}
